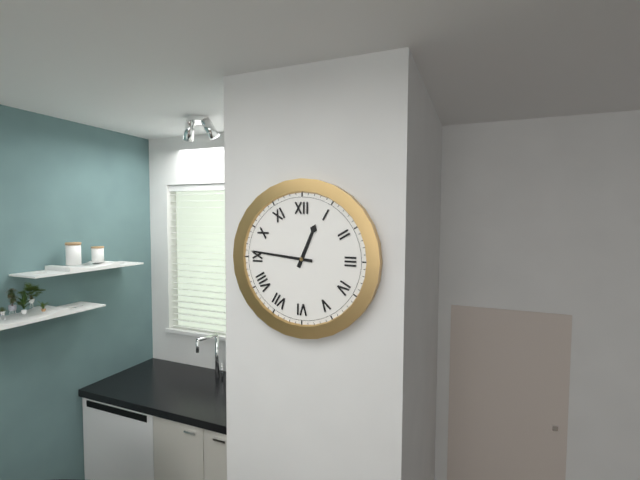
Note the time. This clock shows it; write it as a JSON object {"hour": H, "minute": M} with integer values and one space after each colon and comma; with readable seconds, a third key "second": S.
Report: {"hour": 12, "minute": 46}
